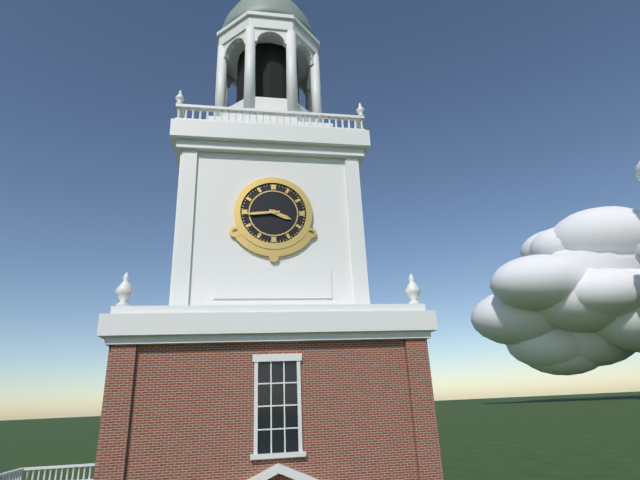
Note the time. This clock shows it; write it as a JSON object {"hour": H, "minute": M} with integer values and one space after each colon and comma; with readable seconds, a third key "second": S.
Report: {"hour": 3, "minute": 44}
